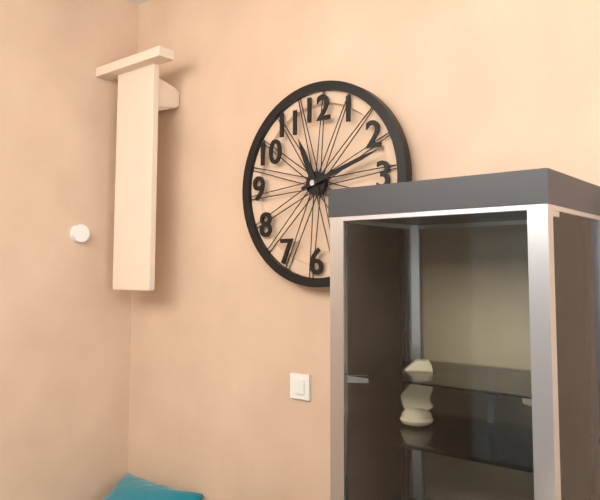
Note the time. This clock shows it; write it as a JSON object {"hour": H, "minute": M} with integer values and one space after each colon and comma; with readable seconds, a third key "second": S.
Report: {"hour": 11, "minute": 12}
